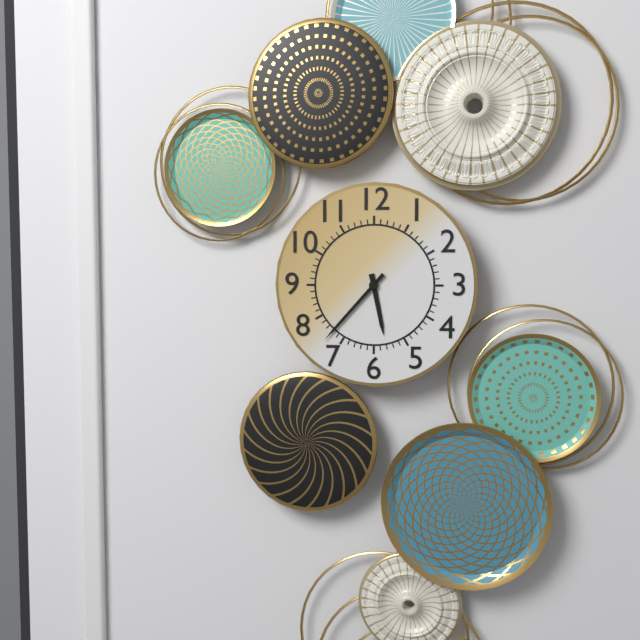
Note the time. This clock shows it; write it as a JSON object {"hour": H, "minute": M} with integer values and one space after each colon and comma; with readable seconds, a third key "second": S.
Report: {"hour": 5, "minute": 37}
